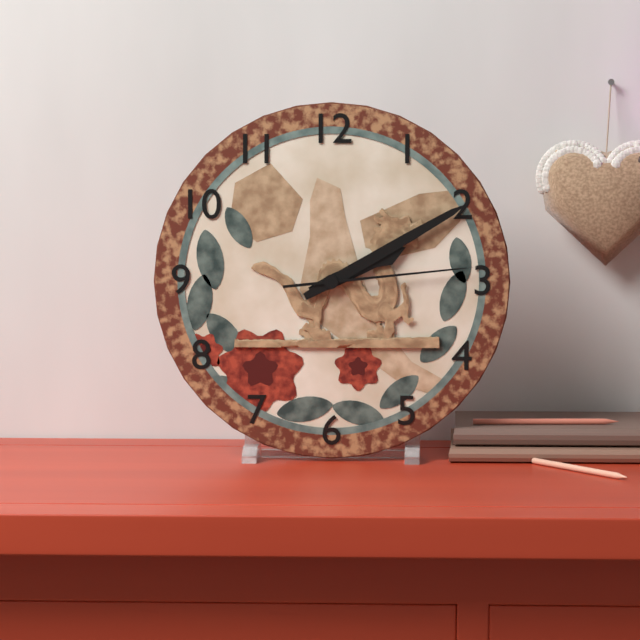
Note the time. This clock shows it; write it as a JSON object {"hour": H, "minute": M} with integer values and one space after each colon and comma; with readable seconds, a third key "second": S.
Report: {"hour": 2, "minute": 10, "second": 14}
